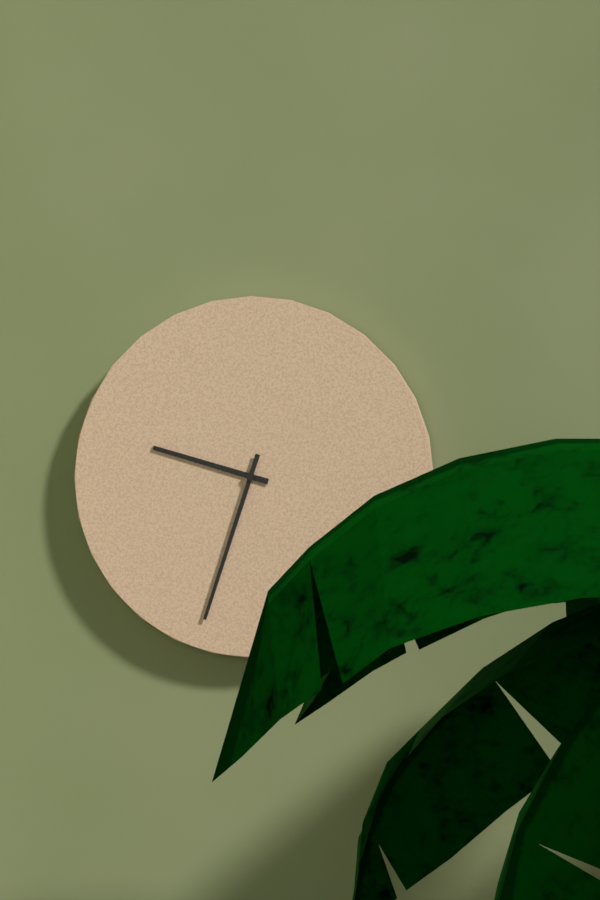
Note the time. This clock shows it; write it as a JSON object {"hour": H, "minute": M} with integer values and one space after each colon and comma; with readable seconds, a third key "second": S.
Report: {"hour": 9, "minute": 33}
